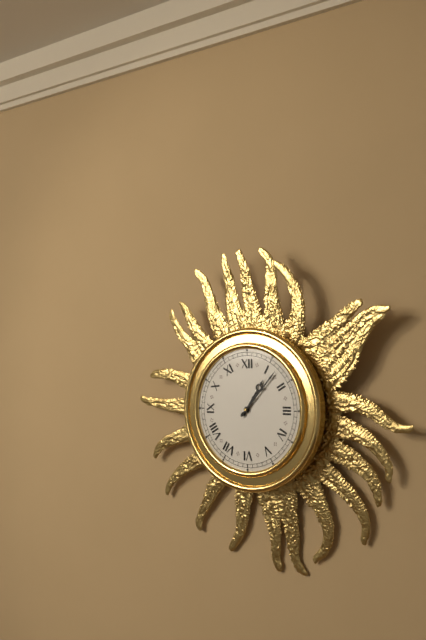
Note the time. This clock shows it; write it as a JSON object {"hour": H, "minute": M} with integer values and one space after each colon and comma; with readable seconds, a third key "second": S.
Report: {"hour": 1, "minute": 7}
